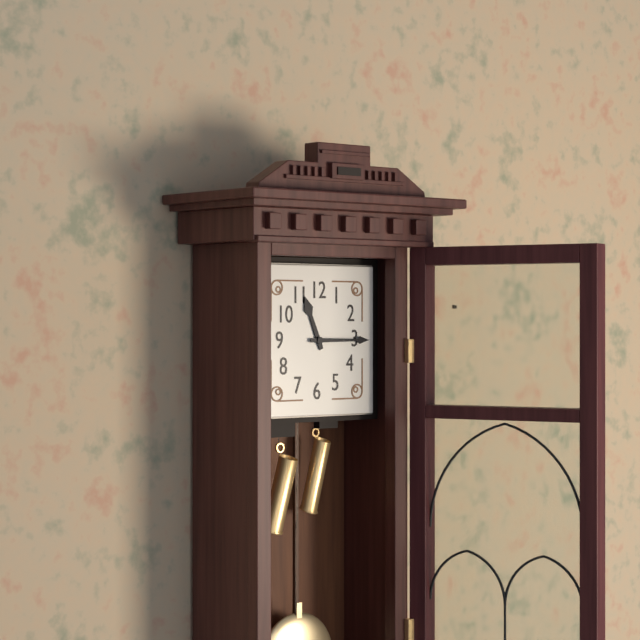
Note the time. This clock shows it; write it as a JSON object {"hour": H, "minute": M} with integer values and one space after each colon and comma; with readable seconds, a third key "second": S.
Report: {"hour": 11, "minute": 15}
